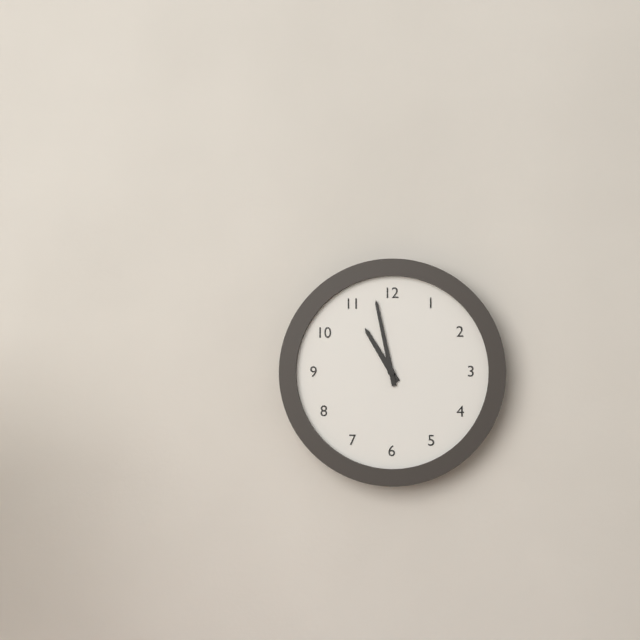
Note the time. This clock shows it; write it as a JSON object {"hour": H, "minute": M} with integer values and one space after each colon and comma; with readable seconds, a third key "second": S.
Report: {"hour": 10, "minute": 58}
